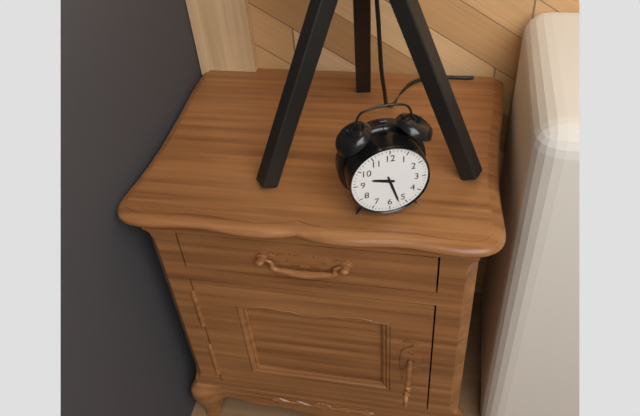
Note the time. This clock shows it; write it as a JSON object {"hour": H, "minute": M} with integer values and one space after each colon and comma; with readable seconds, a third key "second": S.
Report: {"hour": 9, "minute": 27}
